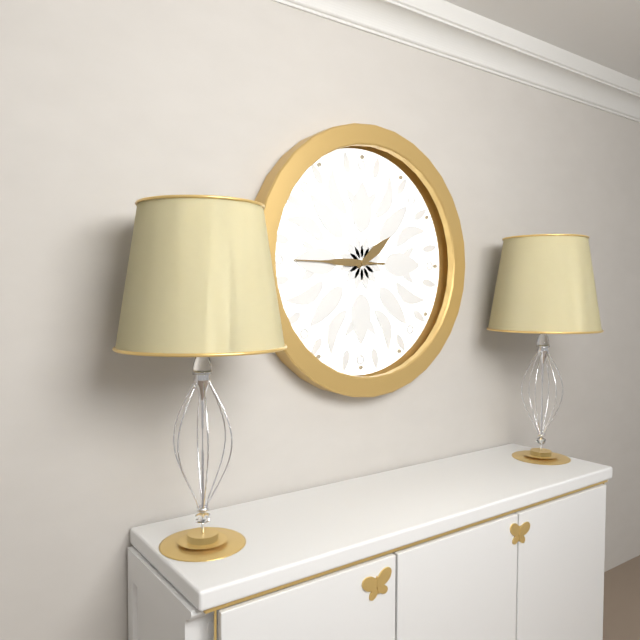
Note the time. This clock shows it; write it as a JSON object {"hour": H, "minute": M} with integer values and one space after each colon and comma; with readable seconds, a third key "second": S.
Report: {"hour": 1, "minute": 45}
